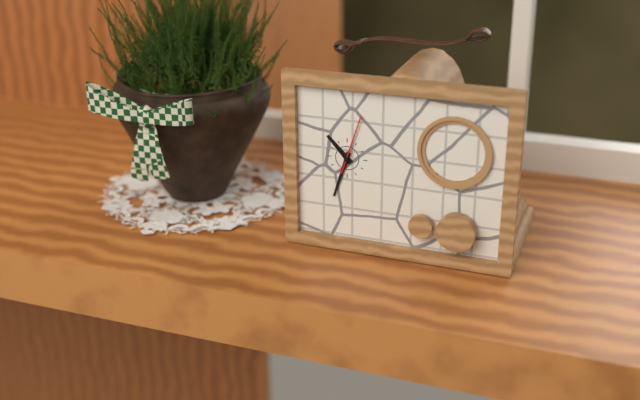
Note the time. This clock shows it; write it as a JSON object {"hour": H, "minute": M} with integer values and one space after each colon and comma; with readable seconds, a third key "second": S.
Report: {"hour": 10, "minute": 33, "second": 3}
